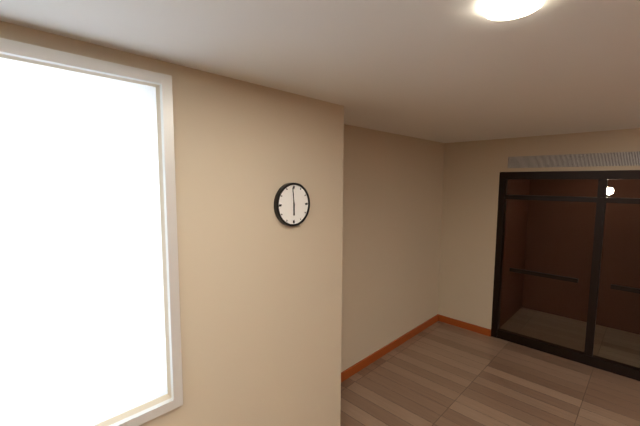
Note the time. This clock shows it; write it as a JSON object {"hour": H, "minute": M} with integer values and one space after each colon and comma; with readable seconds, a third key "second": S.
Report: {"hour": 5, "minute": 59}
